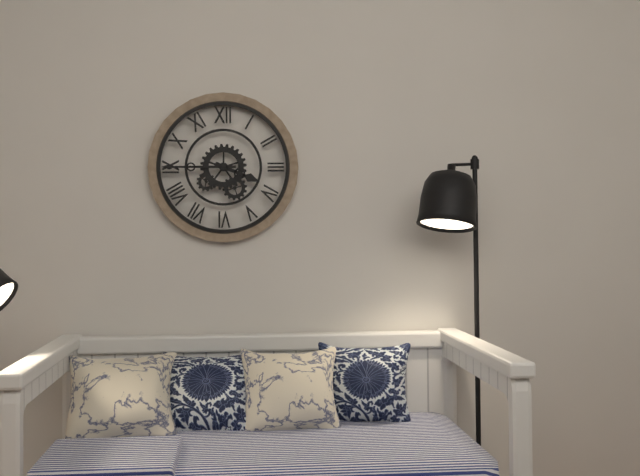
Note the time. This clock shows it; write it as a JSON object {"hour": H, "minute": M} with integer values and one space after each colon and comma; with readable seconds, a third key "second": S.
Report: {"hour": 3, "minute": 45}
